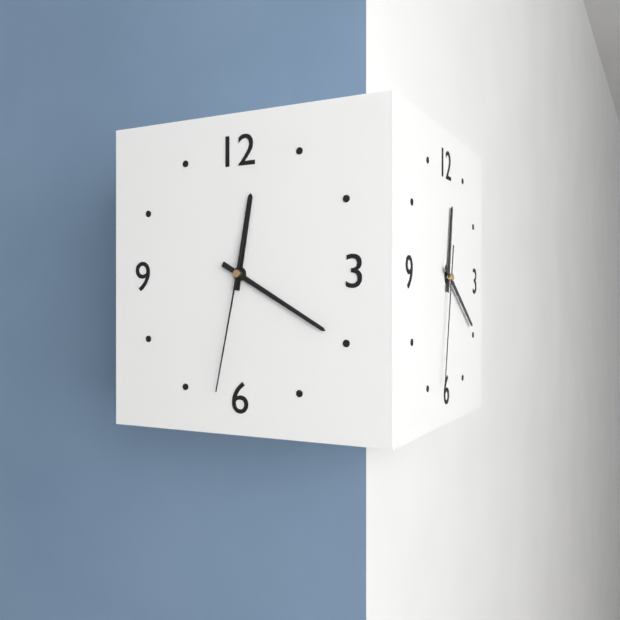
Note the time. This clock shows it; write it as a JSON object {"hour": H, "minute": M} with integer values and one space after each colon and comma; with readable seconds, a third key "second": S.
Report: {"hour": 12, "minute": 20, "second": 32}
